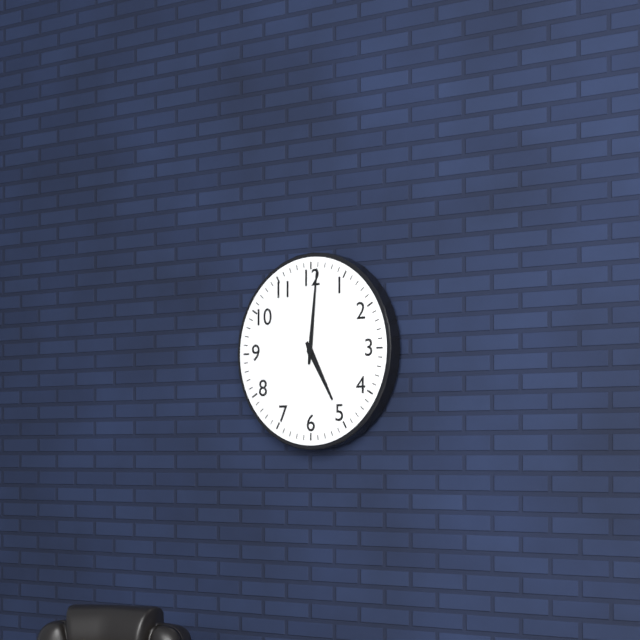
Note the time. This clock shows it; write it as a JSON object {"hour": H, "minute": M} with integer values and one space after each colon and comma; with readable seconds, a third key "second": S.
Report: {"hour": 5, "minute": 1}
